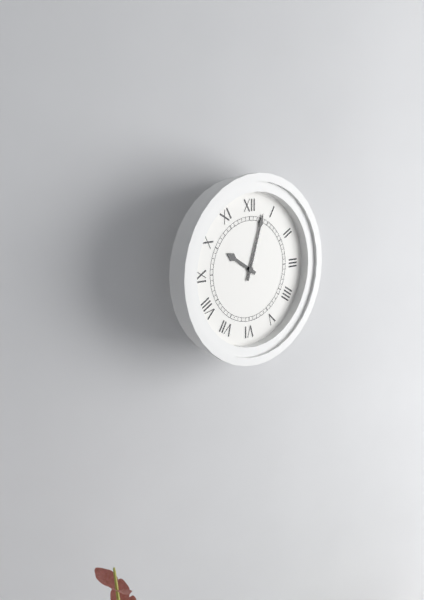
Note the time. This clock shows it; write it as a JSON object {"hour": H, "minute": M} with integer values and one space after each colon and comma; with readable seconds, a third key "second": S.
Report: {"hour": 10, "minute": 3}
